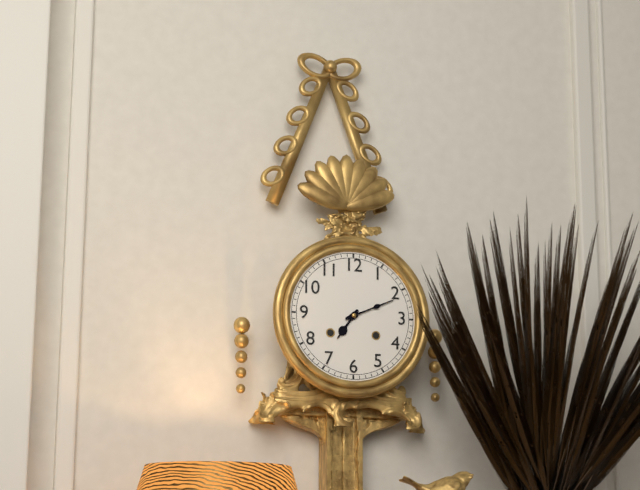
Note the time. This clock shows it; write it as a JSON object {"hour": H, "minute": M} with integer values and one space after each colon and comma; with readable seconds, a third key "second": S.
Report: {"hour": 7, "minute": 11}
